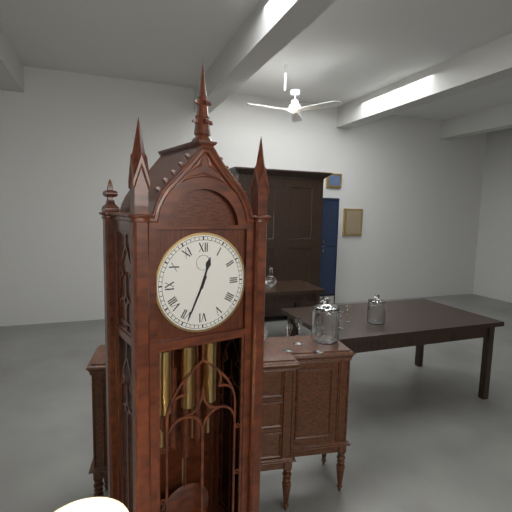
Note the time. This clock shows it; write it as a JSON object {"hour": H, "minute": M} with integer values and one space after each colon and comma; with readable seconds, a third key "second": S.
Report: {"hour": 12, "minute": 34}
